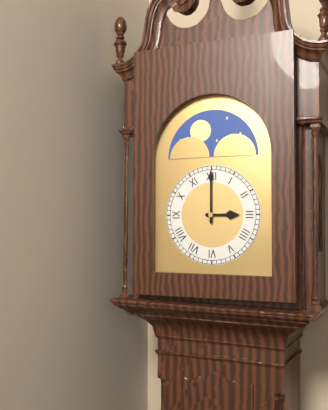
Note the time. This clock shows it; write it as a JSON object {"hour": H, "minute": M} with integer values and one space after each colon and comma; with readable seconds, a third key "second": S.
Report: {"hour": 3, "minute": 0}
